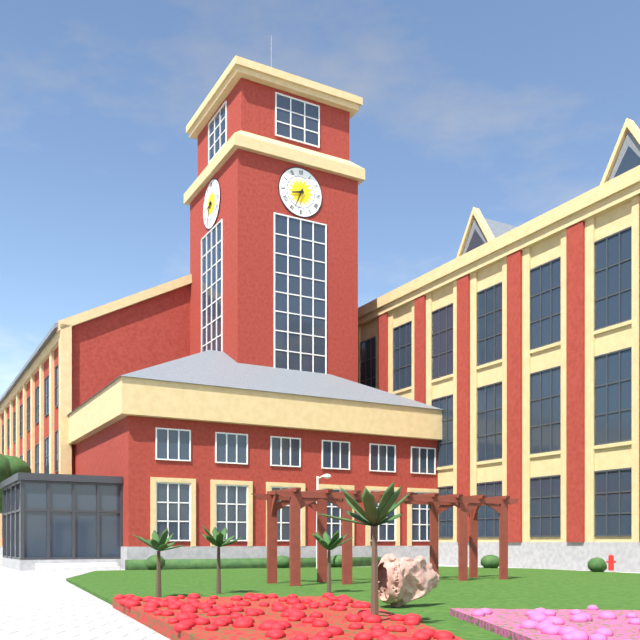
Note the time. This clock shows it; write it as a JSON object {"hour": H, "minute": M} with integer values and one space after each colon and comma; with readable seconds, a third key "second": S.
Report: {"hour": 8, "minute": 34}
